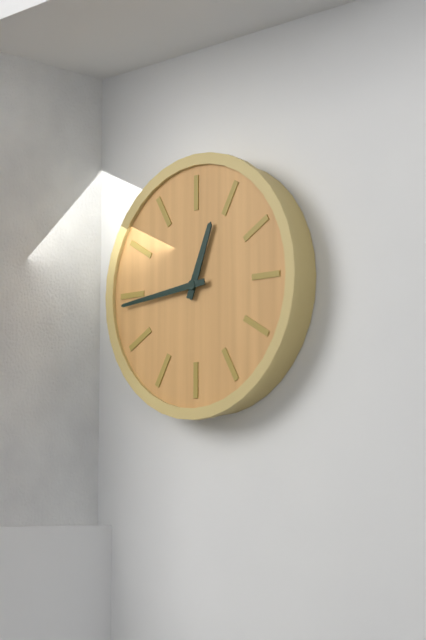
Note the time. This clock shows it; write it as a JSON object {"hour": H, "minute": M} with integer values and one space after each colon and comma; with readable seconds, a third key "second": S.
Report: {"hour": 12, "minute": 44}
